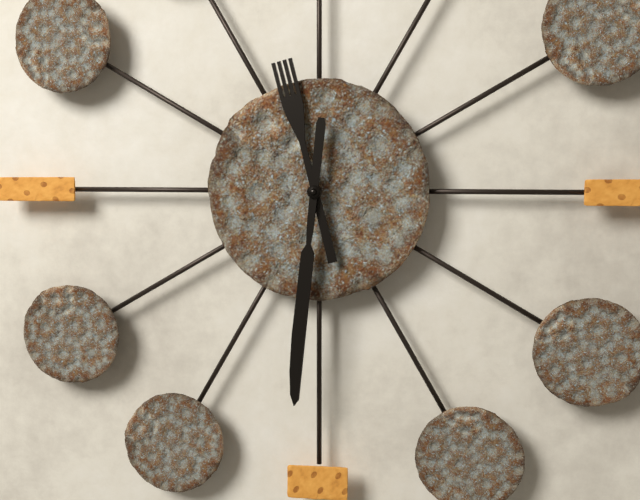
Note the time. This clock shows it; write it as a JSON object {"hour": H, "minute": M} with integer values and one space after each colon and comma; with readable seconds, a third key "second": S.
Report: {"hour": 11, "minute": 31}
